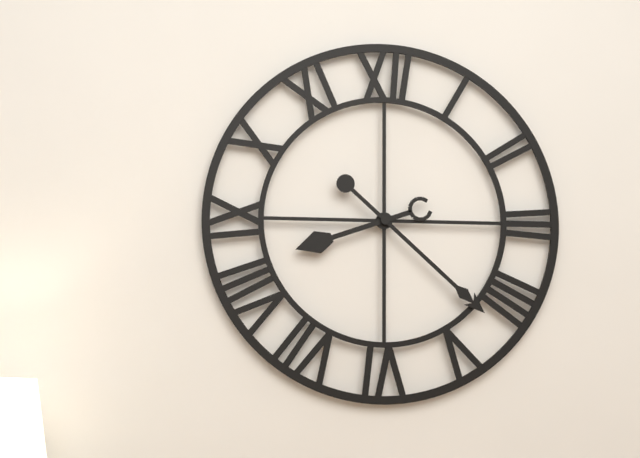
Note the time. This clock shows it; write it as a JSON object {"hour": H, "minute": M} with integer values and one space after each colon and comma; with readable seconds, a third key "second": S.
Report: {"hour": 8, "minute": 22}
